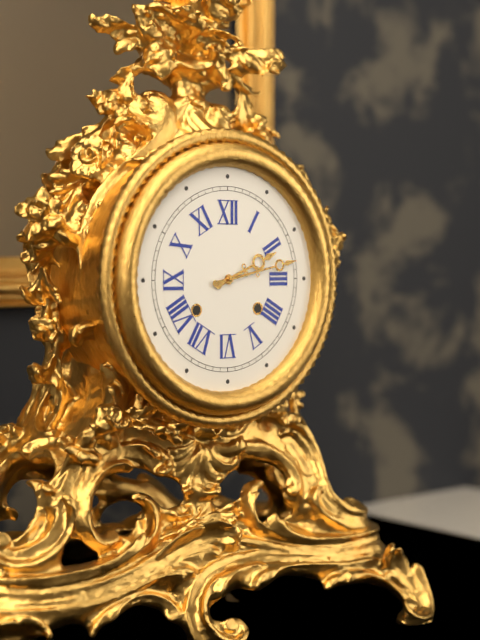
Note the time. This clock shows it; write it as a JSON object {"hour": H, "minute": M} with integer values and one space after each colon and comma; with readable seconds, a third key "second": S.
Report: {"hour": 2, "minute": 13}
